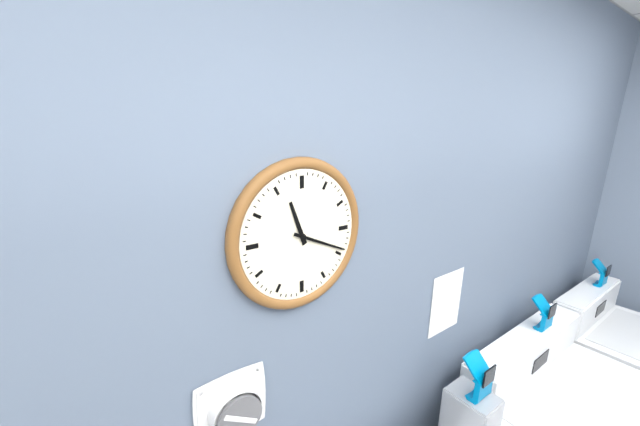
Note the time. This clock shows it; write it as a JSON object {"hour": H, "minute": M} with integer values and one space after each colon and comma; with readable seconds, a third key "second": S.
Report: {"hour": 11, "minute": 19}
